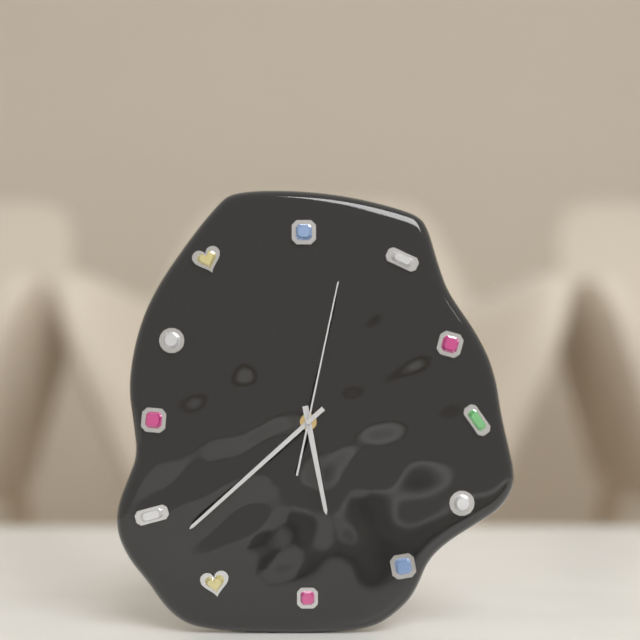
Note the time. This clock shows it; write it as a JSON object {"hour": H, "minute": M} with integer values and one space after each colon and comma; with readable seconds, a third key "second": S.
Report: {"hour": 5, "minute": 38, "second": 2}
